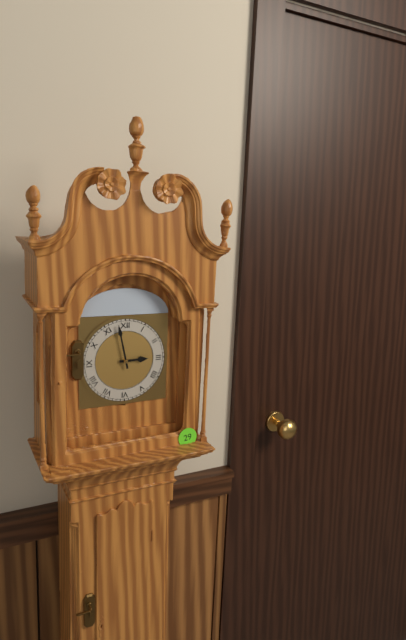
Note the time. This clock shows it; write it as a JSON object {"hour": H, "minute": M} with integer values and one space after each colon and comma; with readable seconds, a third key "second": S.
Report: {"hour": 2, "minute": 58}
